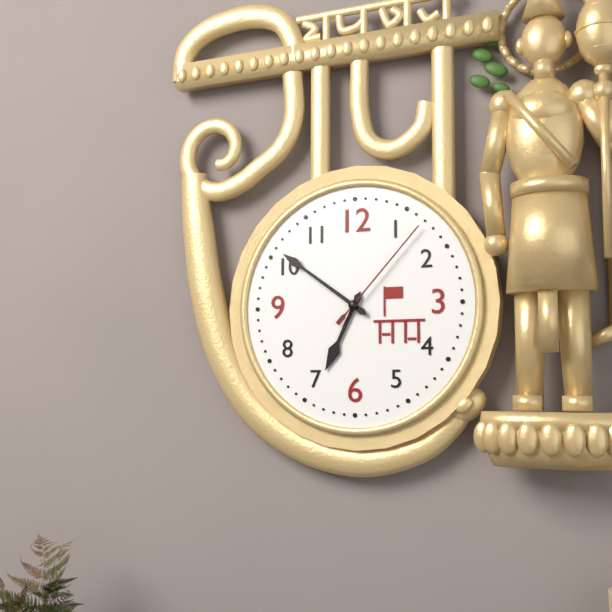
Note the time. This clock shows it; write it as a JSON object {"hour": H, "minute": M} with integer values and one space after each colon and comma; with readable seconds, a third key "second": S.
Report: {"hour": 6, "minute": 51, "second": 7}
